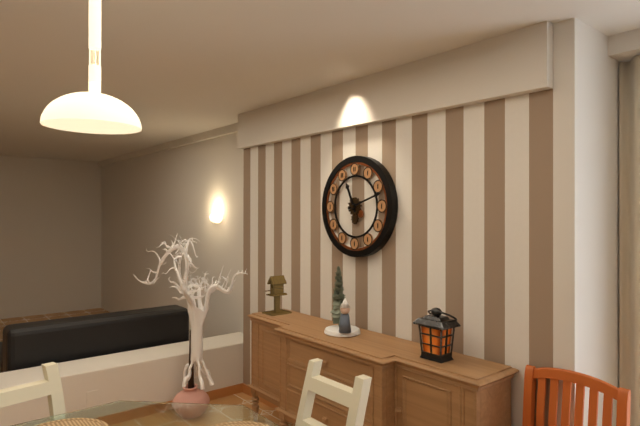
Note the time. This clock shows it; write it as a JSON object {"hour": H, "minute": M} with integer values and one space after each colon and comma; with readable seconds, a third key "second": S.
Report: {"hour": 11, "minute": 12}
